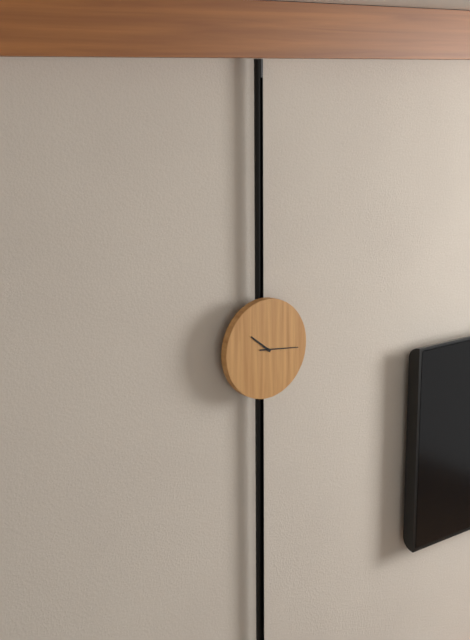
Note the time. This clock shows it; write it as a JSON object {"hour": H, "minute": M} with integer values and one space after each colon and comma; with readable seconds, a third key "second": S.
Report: {"hour": 10, "minute": 16}
